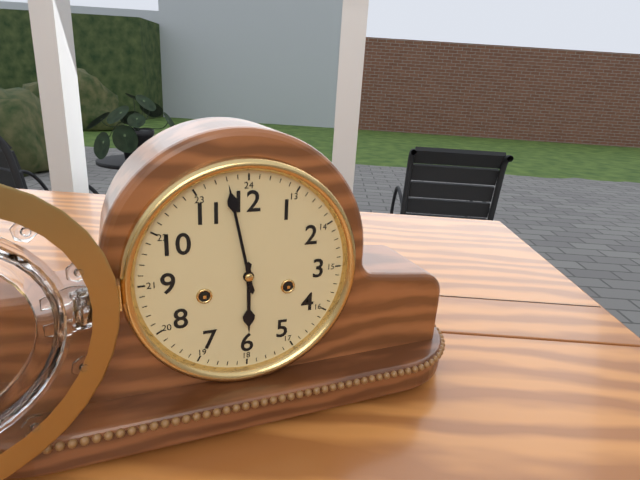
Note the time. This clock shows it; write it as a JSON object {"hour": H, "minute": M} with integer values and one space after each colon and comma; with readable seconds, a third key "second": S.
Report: {"hour": 5, "minute": 58}
